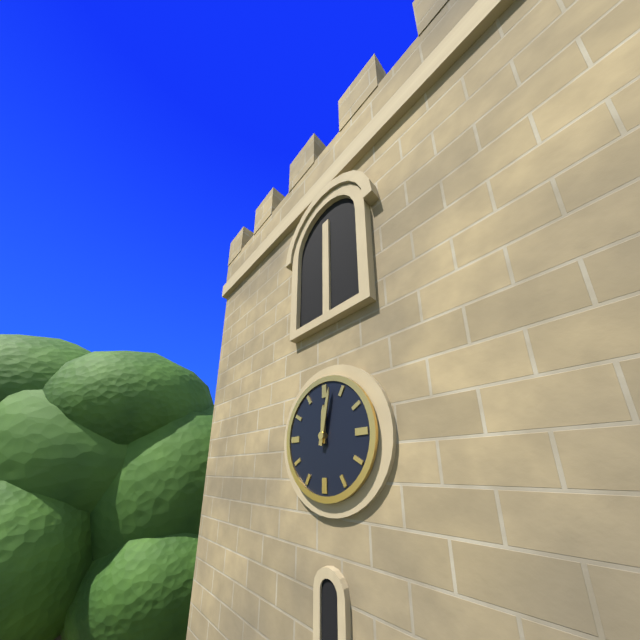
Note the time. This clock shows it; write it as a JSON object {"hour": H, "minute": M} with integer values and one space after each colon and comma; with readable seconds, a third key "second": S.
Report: {"hour": 12, "minute": 2}
